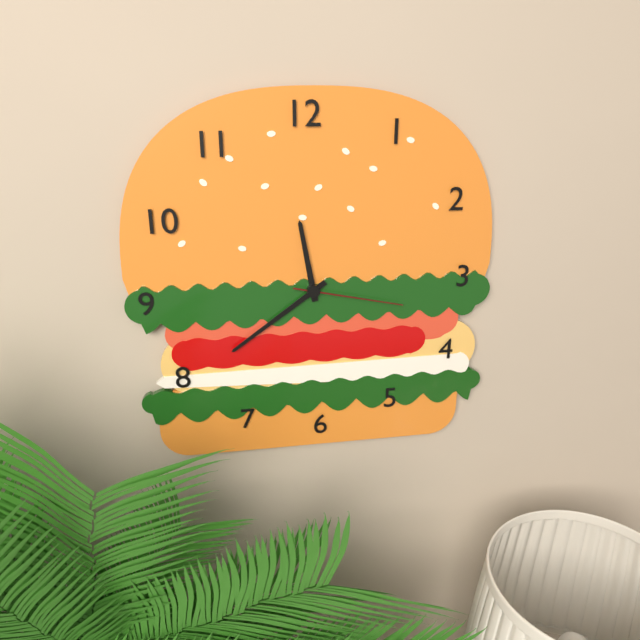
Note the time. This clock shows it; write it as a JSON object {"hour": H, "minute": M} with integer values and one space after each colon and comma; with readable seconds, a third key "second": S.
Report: {"hour": 11, "minute": 39, "second": 17}
